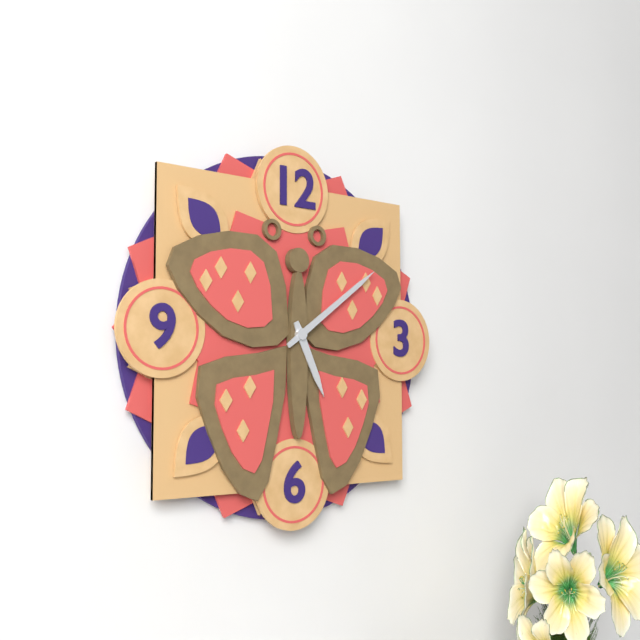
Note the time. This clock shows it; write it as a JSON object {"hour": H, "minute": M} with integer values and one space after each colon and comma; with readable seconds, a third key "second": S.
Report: {"hour": 5, "minute": 9}
